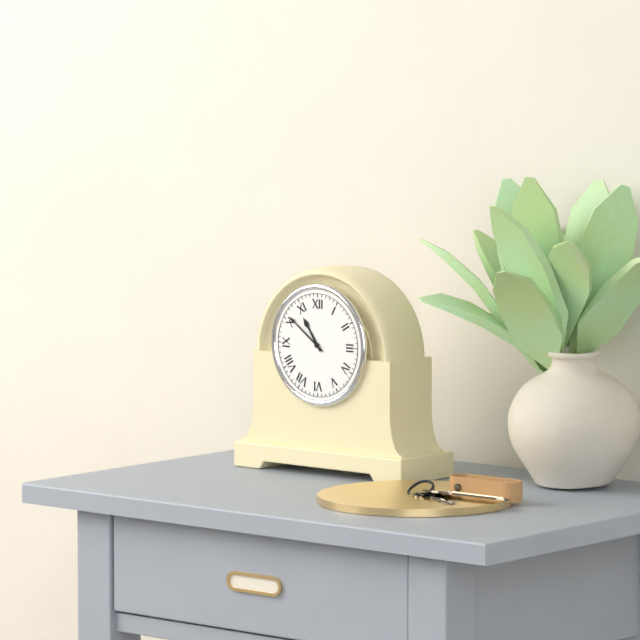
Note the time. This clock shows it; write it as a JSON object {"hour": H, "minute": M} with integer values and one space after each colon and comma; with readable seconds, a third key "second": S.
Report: {"hour": 10, "minute": 51}
